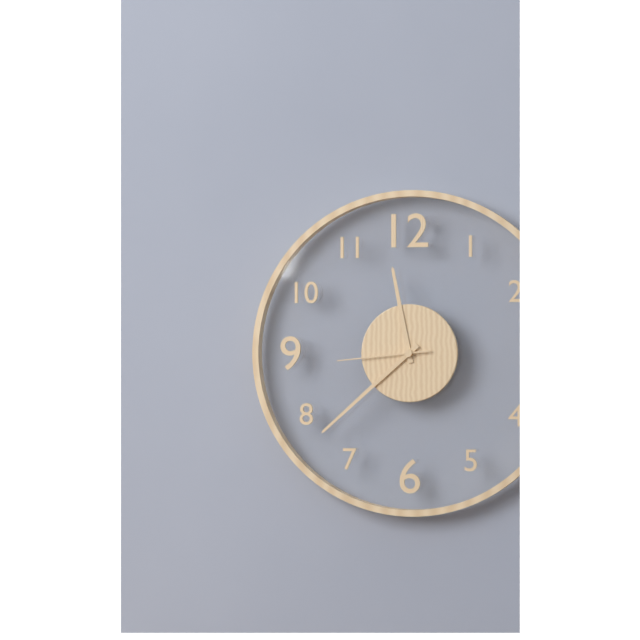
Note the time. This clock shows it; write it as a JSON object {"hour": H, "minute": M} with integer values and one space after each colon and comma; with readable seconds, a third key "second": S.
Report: {"hour": 11, "minute": 38, "second": 44}
